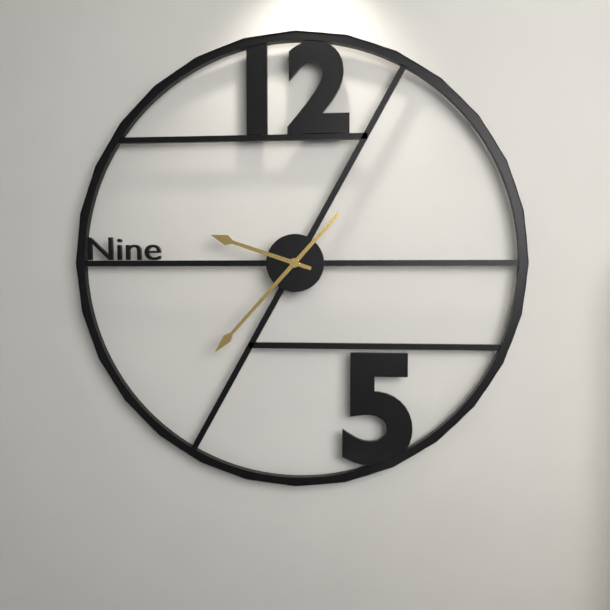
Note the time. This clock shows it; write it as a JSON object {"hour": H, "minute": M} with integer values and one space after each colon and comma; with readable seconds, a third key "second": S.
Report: {"hour": 9, "minute": 37}
